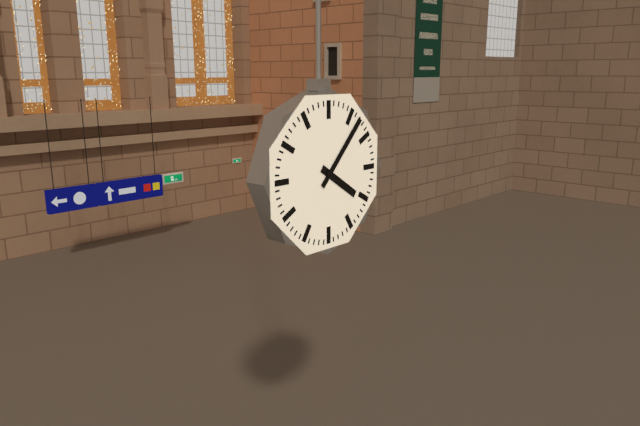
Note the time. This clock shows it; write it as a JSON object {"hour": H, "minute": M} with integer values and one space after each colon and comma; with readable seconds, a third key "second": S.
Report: {"hour": 4, "minute": 7}
